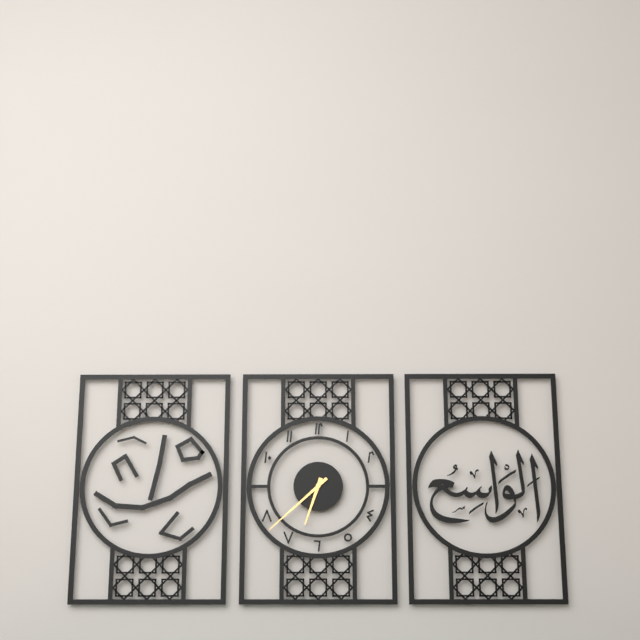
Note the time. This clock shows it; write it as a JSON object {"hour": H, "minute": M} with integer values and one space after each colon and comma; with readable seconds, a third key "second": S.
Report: {"hour": 6, "minute": 38}
